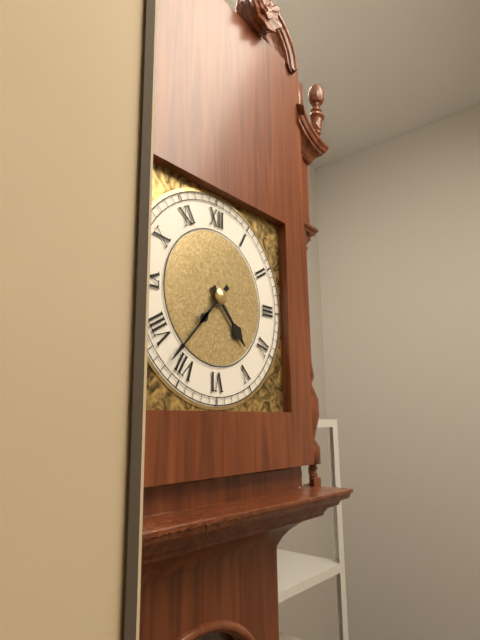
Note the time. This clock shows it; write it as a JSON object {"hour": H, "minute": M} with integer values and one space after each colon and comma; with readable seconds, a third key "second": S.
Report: {"hour": 4, "minute": 37}
